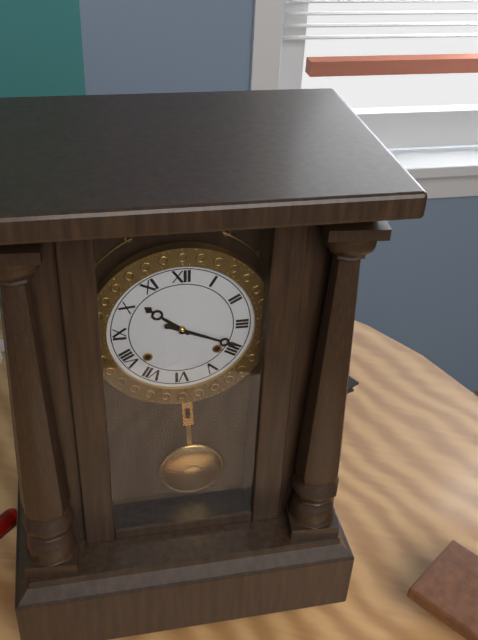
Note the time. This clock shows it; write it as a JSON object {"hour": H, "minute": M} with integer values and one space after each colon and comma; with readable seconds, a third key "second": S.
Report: {"hour": 10, "minute": 19}
